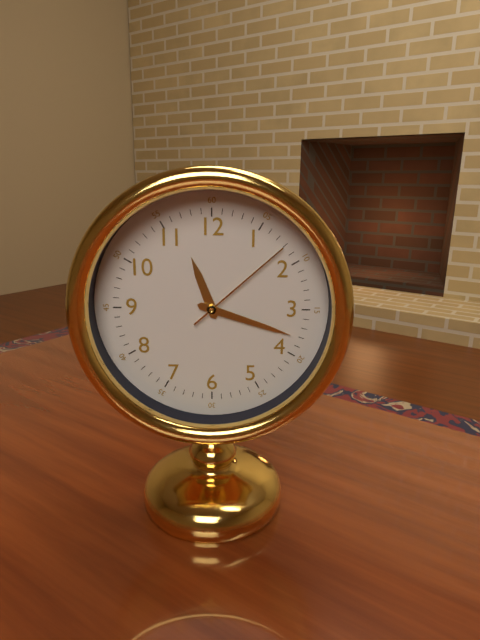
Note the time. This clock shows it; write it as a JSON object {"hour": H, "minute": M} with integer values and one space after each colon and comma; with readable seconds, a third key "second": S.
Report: {"hour": 11, "minute": 18, "second": 8}
